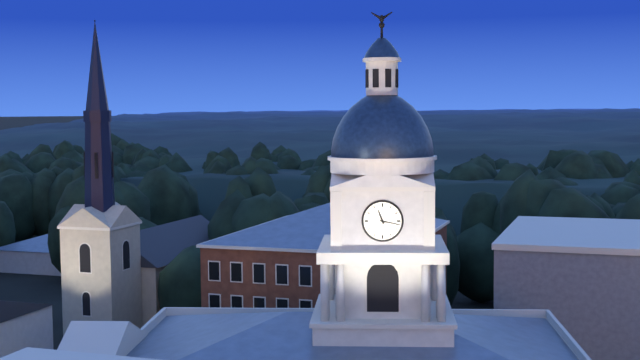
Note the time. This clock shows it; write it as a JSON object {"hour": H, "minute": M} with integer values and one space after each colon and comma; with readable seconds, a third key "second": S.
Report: {"hour": 11, "minute": 17}
